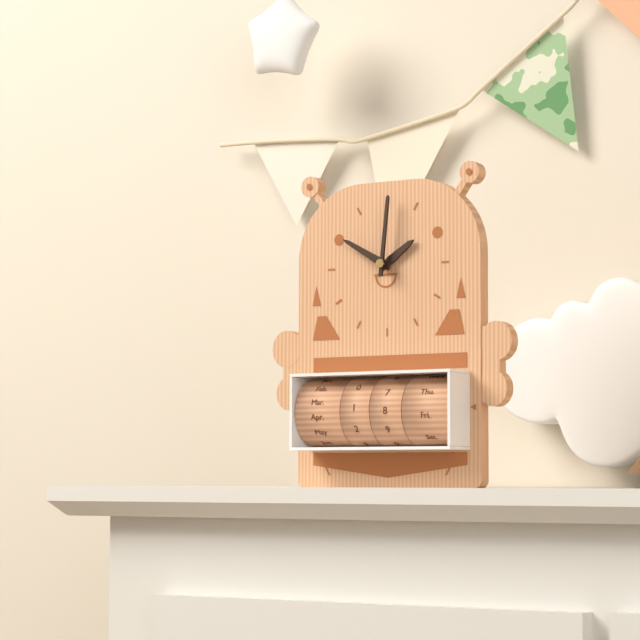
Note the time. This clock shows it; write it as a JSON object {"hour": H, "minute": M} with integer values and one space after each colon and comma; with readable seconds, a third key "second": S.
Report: {"hour": 1, "minute": 50, "second": 1}
